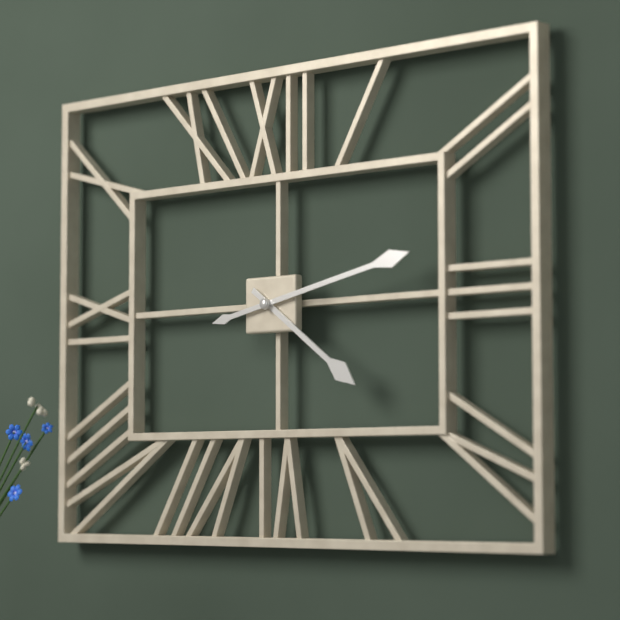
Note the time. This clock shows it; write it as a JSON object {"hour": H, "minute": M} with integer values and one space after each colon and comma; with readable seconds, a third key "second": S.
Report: {"hour": 4, "minute": 13}
